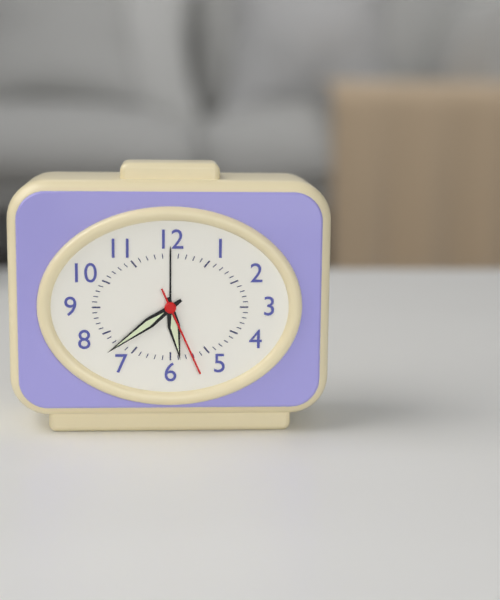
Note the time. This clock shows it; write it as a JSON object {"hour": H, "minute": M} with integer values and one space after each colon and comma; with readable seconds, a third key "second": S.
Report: {"hour": 5, "minute": 39, "second": 26}
